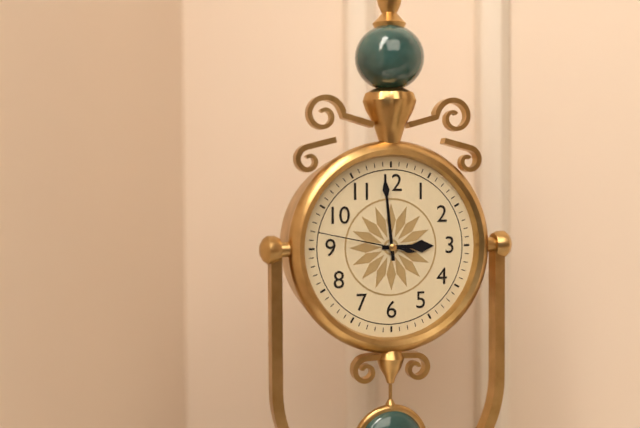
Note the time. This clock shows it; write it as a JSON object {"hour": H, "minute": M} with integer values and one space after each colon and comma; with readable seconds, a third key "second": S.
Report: {"hour": 2, "minute": 59, "second": 47}
